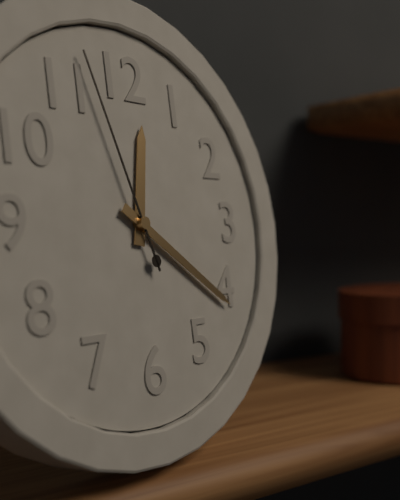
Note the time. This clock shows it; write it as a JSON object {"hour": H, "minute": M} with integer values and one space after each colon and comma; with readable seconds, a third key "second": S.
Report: {"hour": 12, "minute": 21, "second": 57}
